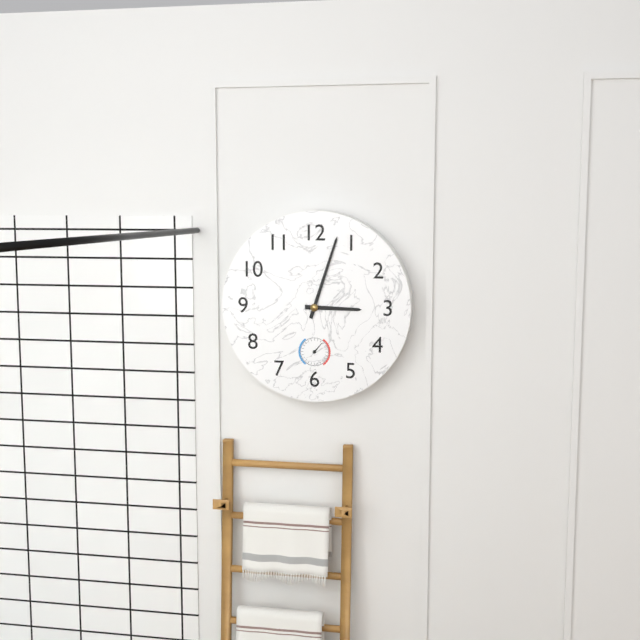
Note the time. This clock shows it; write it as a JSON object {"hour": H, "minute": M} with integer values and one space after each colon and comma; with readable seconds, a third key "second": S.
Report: {"hour": 3, "minute": 3}
